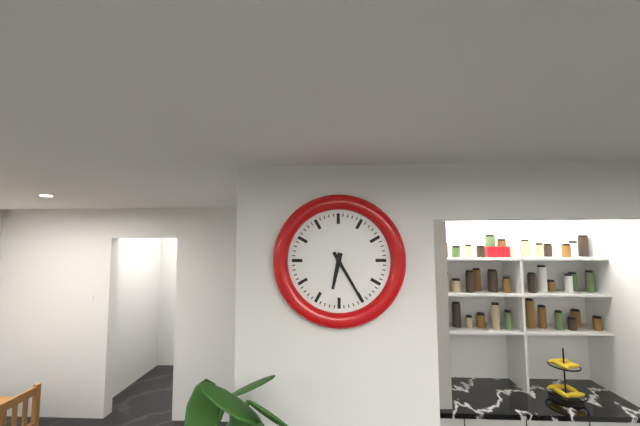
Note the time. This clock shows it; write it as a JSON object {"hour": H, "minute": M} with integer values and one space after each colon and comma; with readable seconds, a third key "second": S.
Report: {"hour": 6, "minute": 25}
